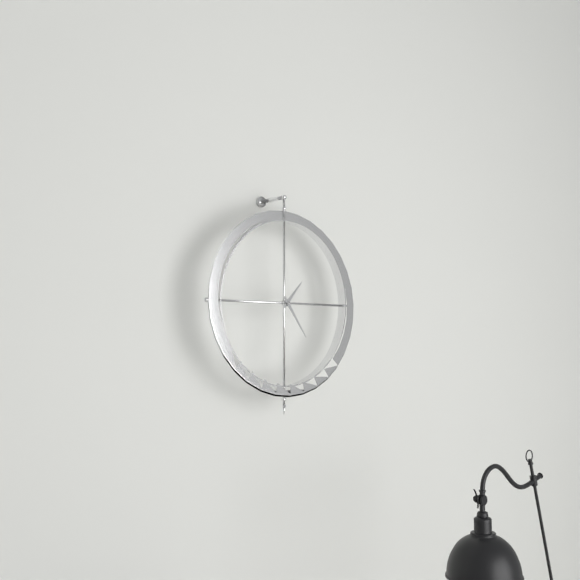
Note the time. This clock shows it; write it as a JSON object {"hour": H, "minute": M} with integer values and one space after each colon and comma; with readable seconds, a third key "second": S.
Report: {"hour": 1, "minute": 24}
